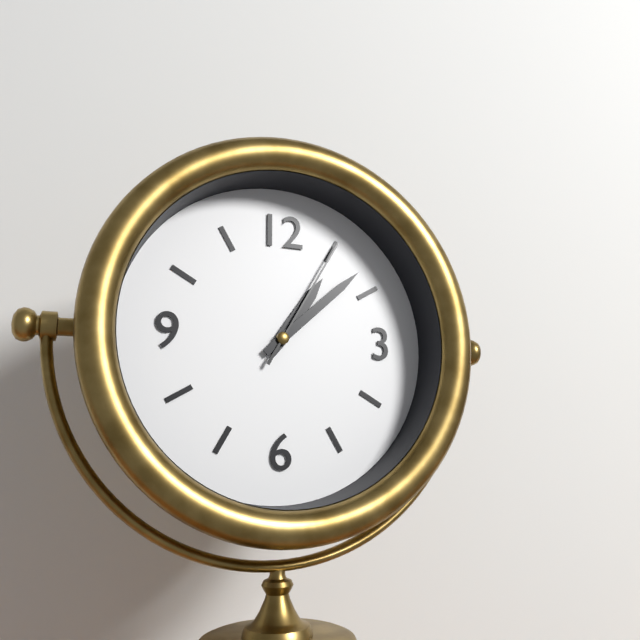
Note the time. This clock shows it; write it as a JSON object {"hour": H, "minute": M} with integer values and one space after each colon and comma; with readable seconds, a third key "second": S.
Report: {"hour": 1, "minute": 8, "second": 5}
